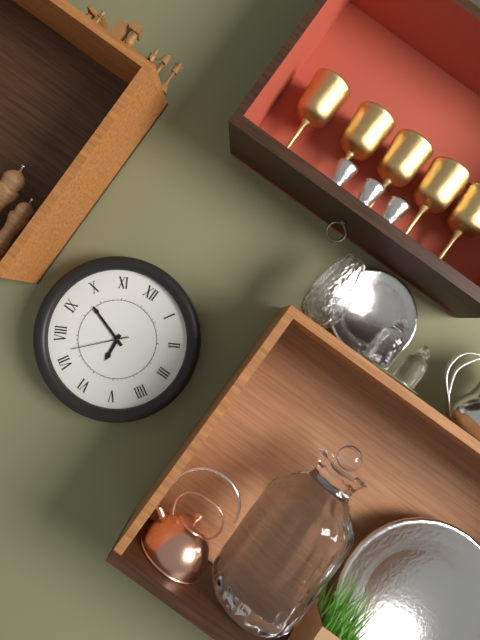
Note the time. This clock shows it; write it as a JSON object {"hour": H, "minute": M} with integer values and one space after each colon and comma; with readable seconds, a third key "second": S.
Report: {"hour": 5, "minute": 48, "second": 37}
